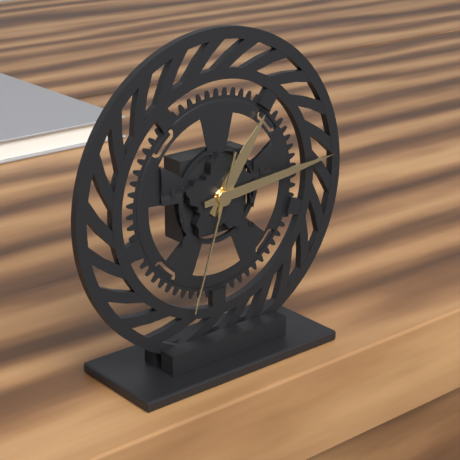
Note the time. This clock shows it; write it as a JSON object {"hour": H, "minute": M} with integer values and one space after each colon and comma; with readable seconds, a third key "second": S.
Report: {"hour": 1, "minute": 14, "second": 33}
